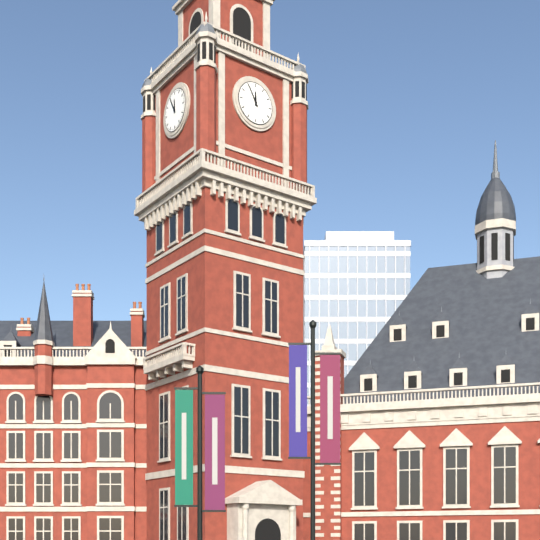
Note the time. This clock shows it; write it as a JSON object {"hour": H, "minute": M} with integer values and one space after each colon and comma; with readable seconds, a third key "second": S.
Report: {"hour": 11, "minute": 55}
